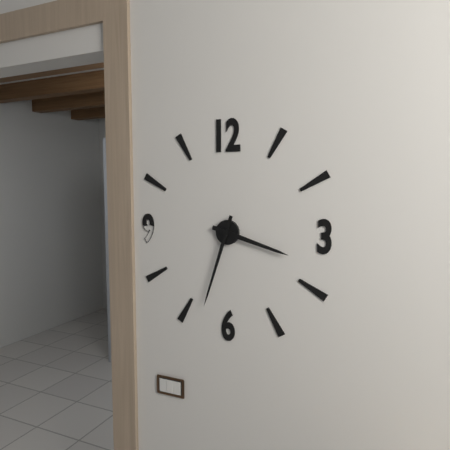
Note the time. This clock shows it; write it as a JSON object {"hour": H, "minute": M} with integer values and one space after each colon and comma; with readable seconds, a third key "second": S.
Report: {"hour": 3, "minute": 33}
